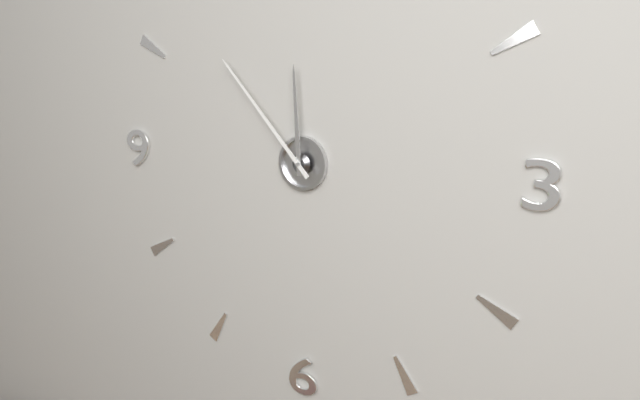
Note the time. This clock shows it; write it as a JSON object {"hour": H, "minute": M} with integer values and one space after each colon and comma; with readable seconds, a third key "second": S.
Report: {"hour": 11, "minute": 53}
